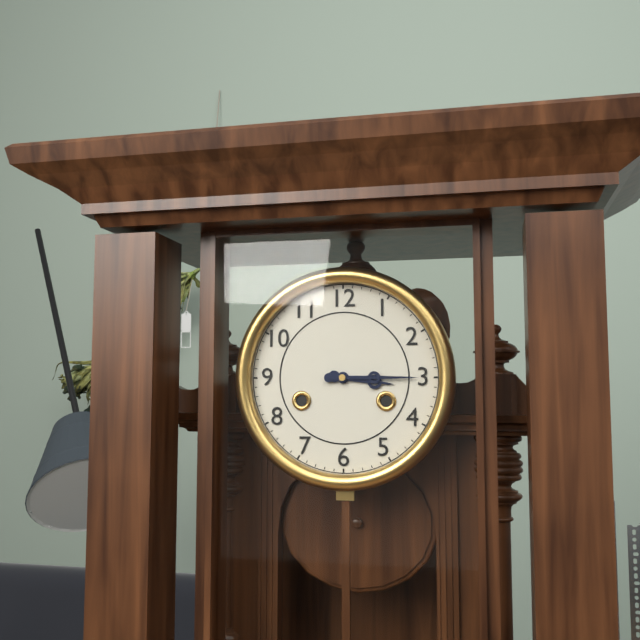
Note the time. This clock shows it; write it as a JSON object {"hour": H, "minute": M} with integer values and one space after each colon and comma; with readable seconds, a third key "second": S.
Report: {"hour": 3, "minute": 15}
